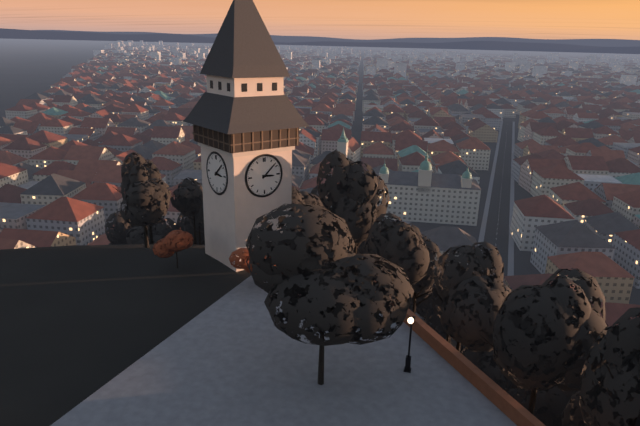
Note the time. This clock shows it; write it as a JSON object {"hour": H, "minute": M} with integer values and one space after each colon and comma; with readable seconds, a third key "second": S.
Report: {"hour": 3, "minute": 8}
